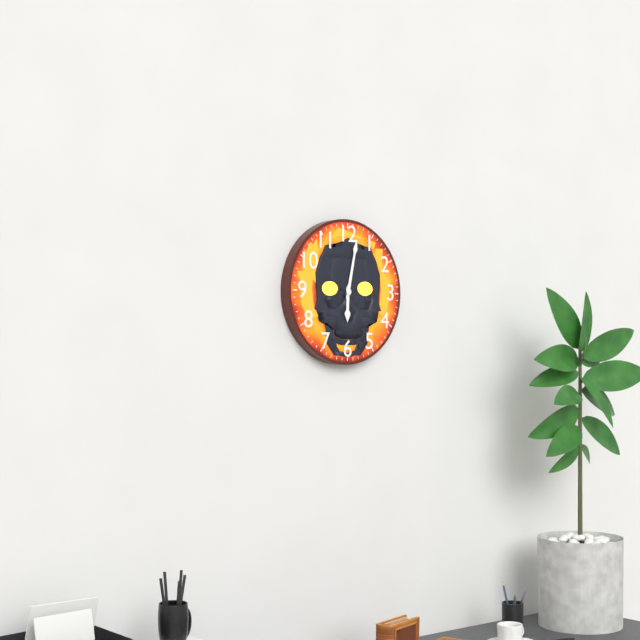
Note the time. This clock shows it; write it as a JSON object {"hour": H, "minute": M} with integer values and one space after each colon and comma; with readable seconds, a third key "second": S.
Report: {"hour": 6, "minute": 2}
